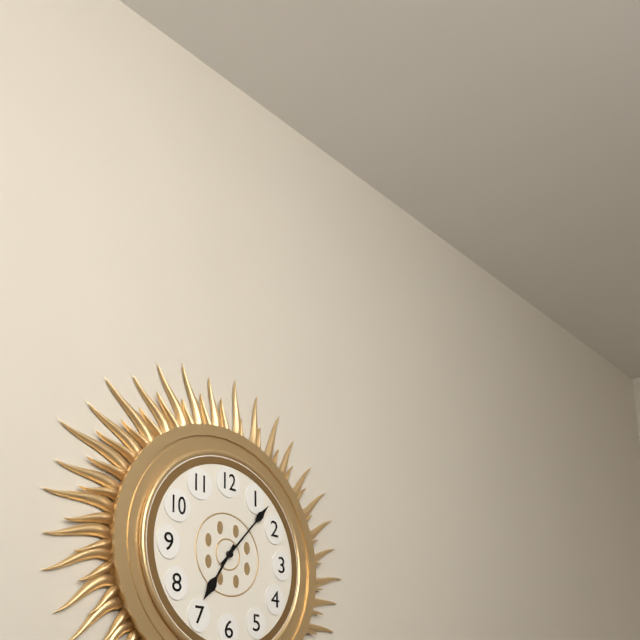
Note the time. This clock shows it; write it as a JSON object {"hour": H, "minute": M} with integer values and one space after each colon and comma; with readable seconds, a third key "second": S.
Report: {"hour": 7, "minute": 7}
